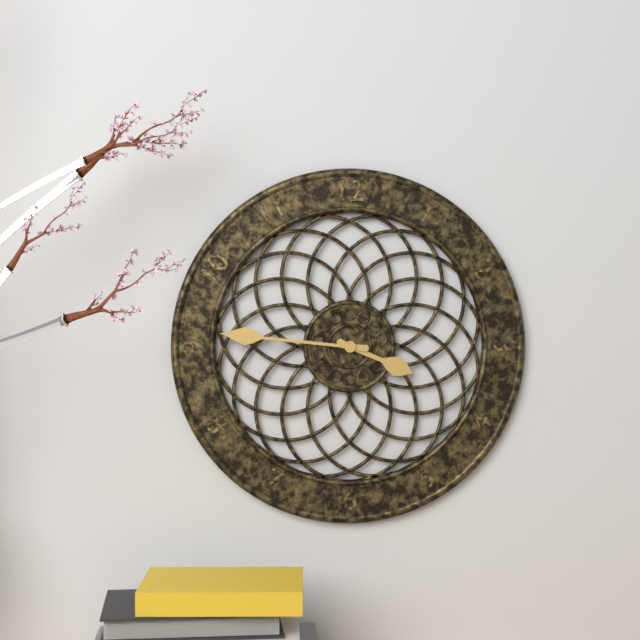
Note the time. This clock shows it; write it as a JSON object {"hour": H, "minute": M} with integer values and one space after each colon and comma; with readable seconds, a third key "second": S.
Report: {"hour": 3, "minute": 46}
